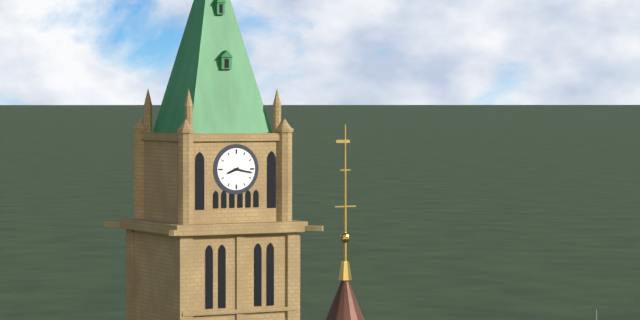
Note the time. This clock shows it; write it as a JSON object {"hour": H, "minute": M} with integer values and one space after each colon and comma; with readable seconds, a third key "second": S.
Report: {"hour": 8, "minute": 17}
